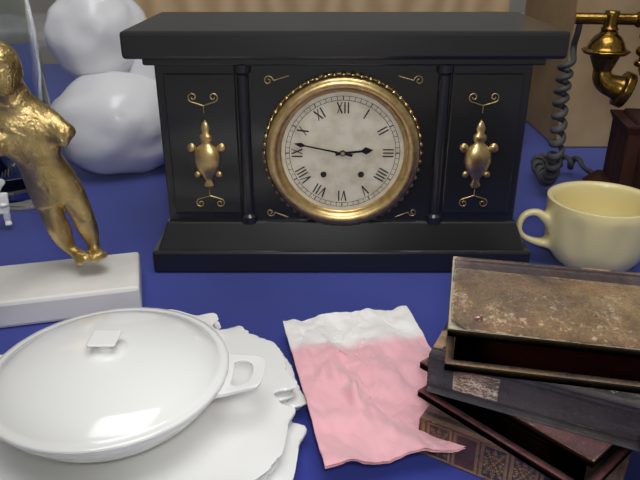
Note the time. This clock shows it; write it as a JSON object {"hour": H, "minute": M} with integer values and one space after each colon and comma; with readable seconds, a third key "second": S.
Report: {"hour": 2, "minute": 47}
